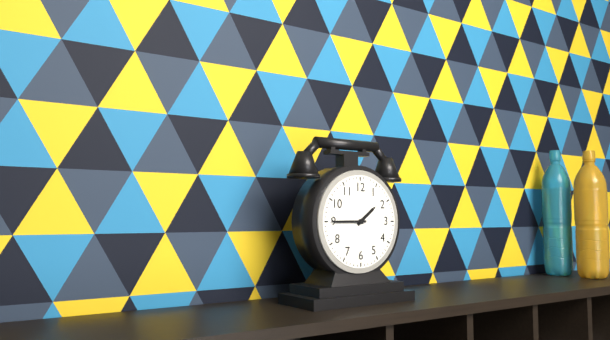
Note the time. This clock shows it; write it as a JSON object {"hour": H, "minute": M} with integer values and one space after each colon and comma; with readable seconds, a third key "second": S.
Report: {"hour": 1, "minute": 45}
